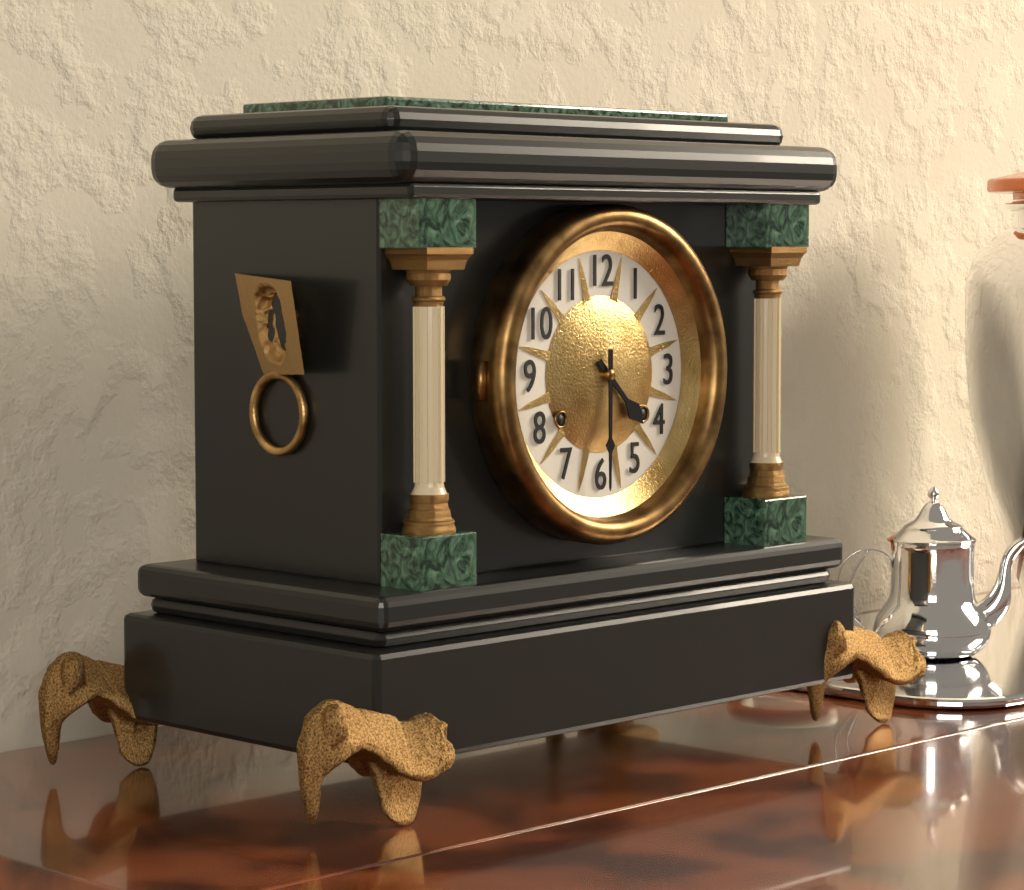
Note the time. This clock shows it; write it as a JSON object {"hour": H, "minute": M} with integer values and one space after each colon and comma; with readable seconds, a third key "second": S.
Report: {"hour": 4, "minute": 30}
